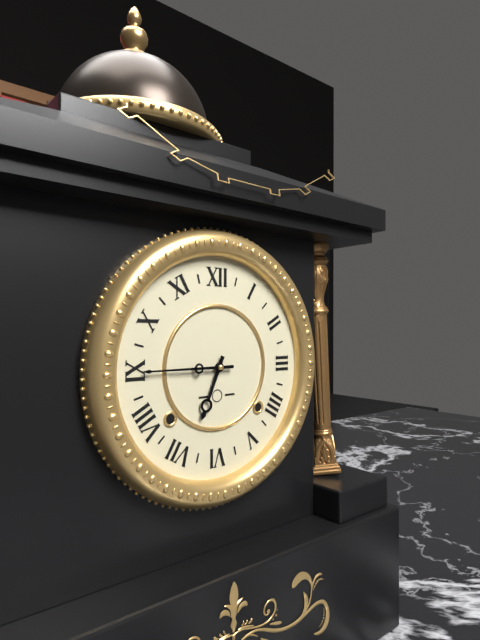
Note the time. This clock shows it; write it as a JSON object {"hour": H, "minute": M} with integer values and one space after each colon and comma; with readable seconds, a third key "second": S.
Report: {"hour": 6, "minute": 45}
